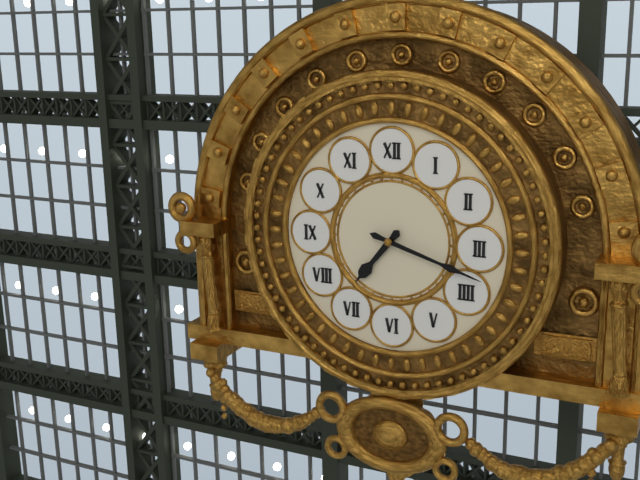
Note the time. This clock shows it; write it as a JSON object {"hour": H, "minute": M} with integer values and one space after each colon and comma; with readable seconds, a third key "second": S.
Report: {"hour": 7, "minute": 18}
